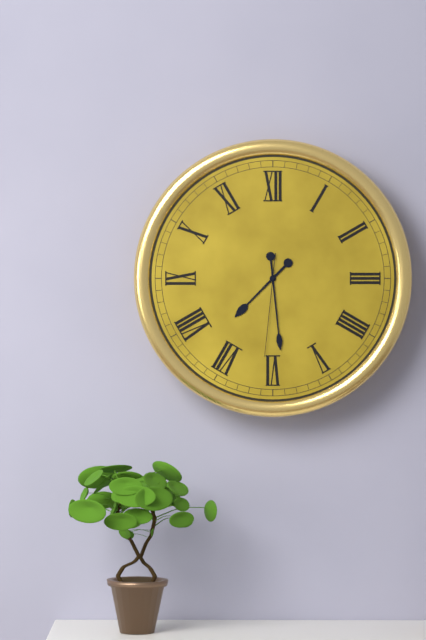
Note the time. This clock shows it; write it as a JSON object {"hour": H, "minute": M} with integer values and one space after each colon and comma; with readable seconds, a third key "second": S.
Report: {"hour": 7, "minute": 29, "second": 31}
